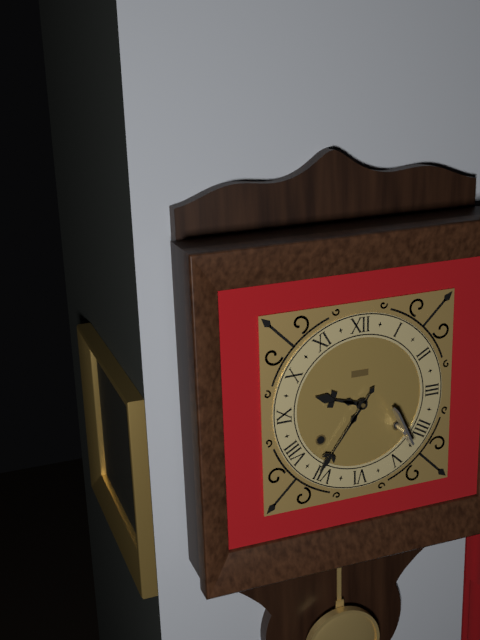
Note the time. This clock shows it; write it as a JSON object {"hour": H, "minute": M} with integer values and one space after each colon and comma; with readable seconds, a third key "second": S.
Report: {"hour": 9, "minute": 36}
